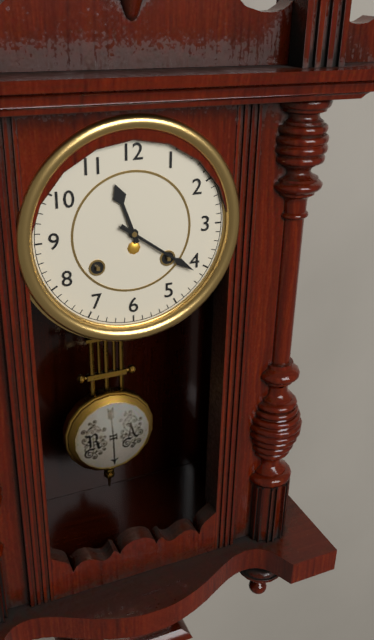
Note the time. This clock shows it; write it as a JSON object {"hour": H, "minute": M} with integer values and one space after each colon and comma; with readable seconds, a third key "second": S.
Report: {"hour": 11, "minute": 21}
